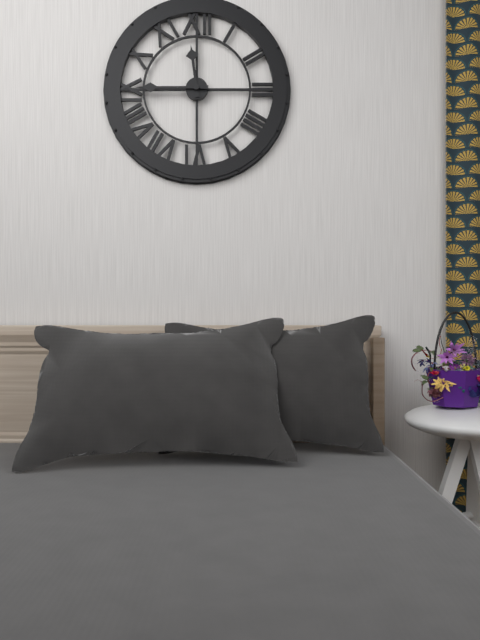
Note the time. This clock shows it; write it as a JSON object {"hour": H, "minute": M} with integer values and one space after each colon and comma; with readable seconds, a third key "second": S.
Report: {"hour": 11, "minute": 45}
